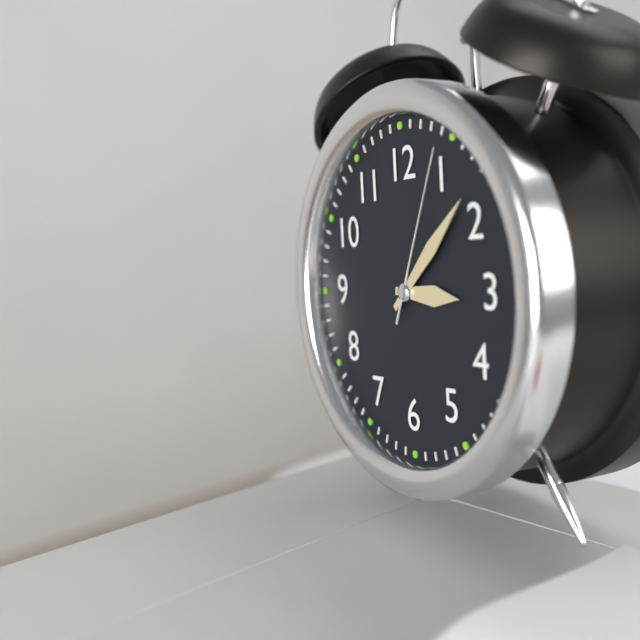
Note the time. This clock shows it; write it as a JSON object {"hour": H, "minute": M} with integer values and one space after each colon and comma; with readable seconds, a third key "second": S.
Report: {"hour": 3, "minute": 8, "second": 4}
